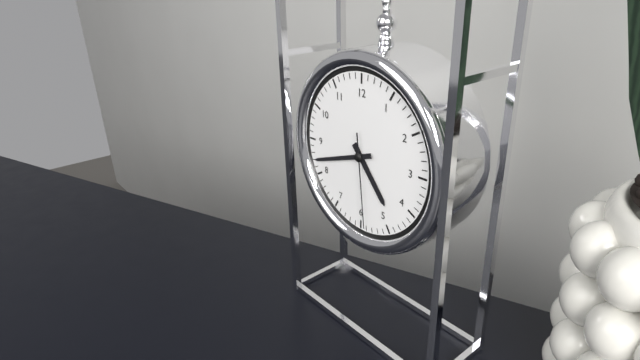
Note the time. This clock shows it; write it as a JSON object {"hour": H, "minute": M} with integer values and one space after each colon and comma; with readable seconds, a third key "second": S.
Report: {"hour": 4, "minute": 42, "second": 29}
